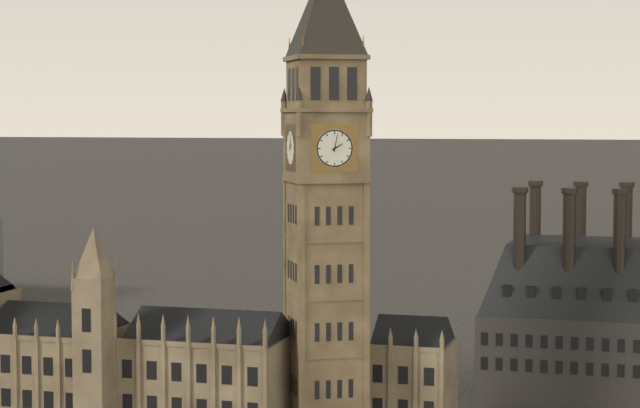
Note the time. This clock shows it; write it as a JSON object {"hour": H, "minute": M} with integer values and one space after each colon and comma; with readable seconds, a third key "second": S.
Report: {"hour": 2, "minute": 2}
